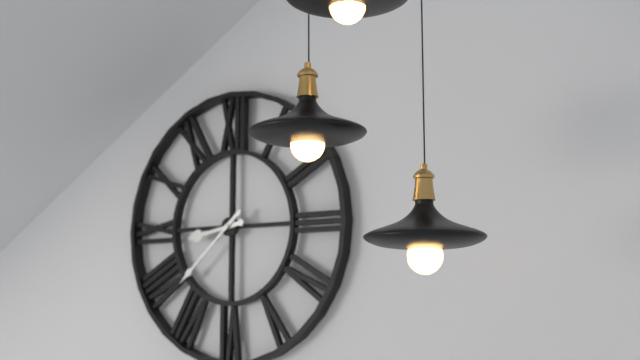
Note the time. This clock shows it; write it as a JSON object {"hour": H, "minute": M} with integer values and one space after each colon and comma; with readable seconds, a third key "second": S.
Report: {"hour": 8, "minute": 38}
